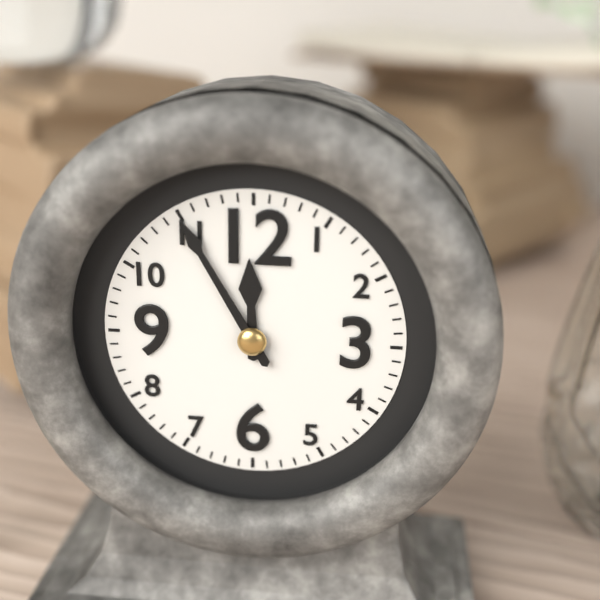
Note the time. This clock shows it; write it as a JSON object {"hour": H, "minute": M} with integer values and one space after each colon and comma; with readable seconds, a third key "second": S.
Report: {"hour": 11, "minute": 55}
